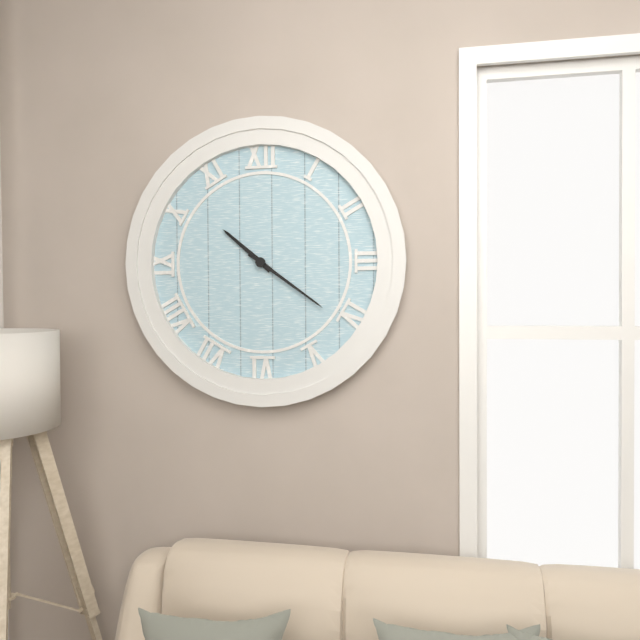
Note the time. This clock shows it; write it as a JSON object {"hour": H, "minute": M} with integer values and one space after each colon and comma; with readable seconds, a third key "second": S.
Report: {"hour": 10, "minute": 21}
